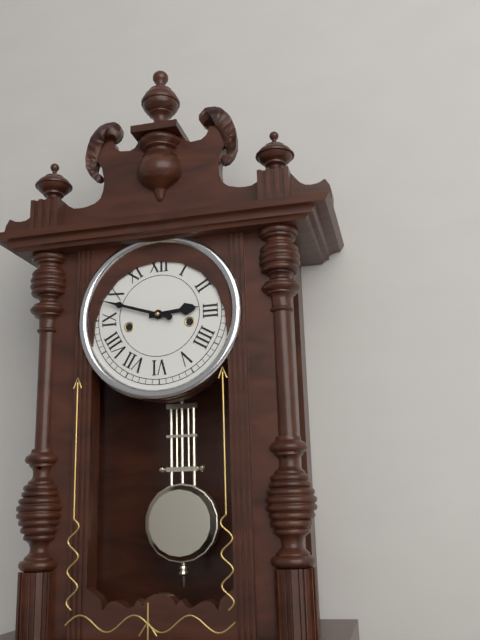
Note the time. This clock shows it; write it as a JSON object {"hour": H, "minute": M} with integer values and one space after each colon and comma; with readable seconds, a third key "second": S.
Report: {"hour": 2, "minute": 48}
